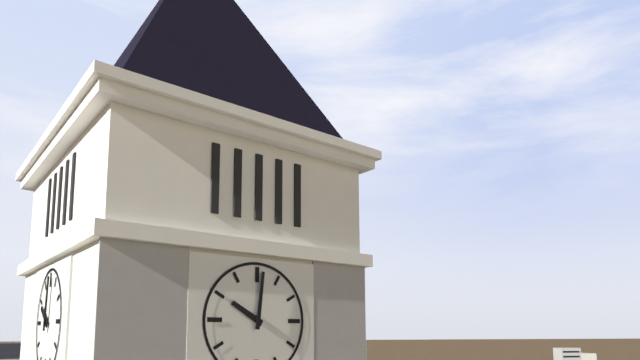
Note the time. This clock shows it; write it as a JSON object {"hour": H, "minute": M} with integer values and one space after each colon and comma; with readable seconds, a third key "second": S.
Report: {"hour": 10, "minute": 1}
